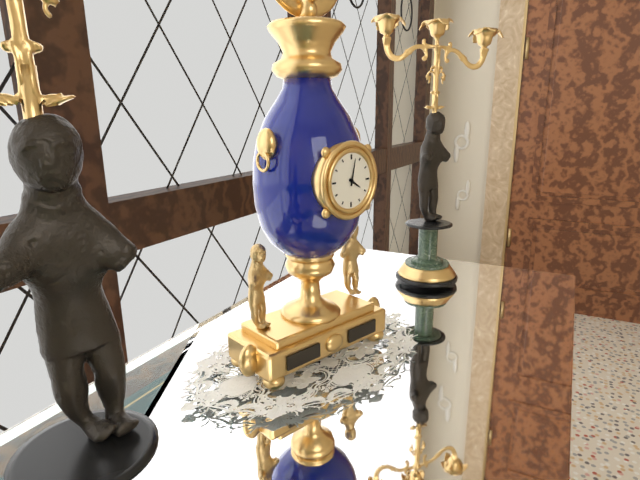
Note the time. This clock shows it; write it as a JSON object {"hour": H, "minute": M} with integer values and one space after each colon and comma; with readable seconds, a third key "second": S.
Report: {"hour": 4, "minute": 2}
